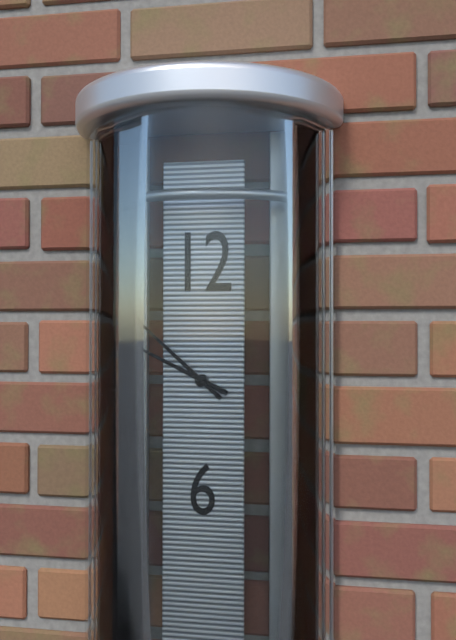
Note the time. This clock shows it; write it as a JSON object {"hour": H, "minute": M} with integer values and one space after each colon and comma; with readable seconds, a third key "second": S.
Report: {"hour": 9, "minute": 52}
